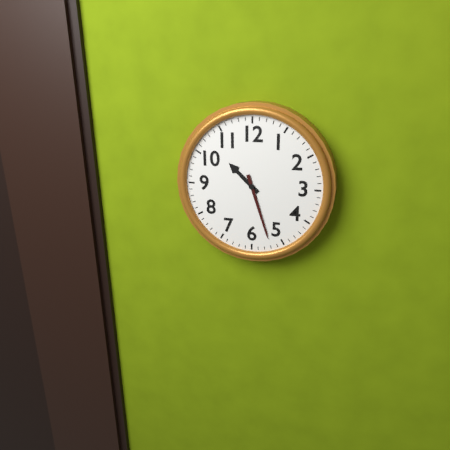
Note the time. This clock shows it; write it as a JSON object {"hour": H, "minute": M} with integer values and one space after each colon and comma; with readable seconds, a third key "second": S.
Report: {"hour": 10, "minute": 27}
